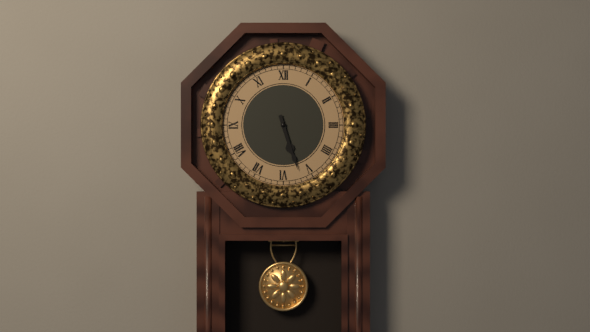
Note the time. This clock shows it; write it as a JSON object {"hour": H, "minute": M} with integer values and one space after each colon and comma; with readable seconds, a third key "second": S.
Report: {"hour": 5, "minute": 27}
